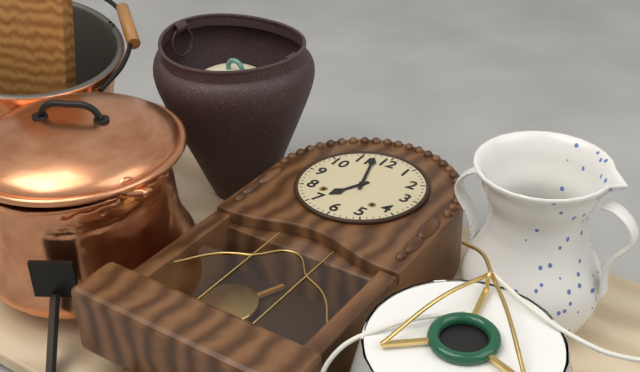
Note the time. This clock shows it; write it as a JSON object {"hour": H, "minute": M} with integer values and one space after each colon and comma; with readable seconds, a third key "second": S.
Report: {"hour": 6, "minute": 57}
